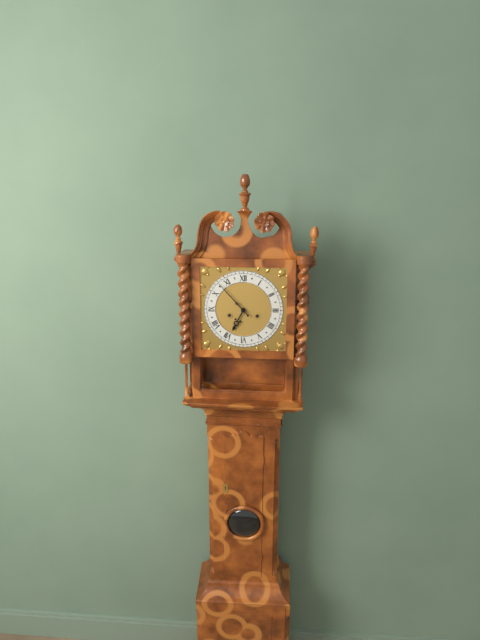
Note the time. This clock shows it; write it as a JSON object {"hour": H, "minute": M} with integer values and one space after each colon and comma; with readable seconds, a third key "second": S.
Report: {"hour": 6, "minute": 53}
